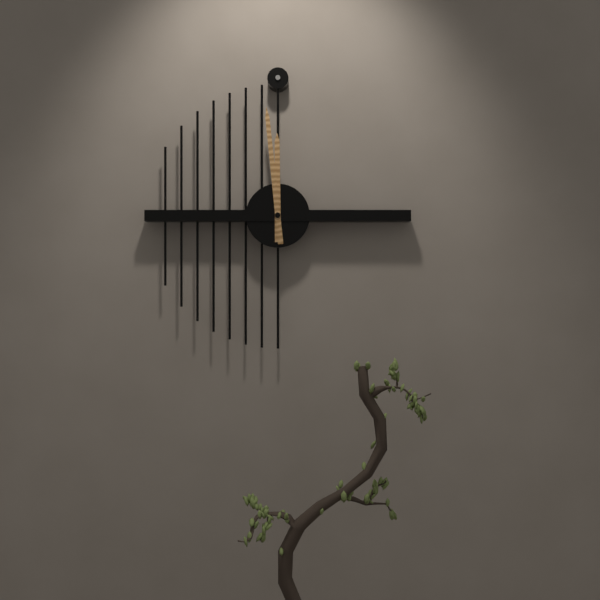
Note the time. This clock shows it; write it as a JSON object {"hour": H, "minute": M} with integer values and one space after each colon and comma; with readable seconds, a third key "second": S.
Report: {"hour": 11, "minute": 59}
